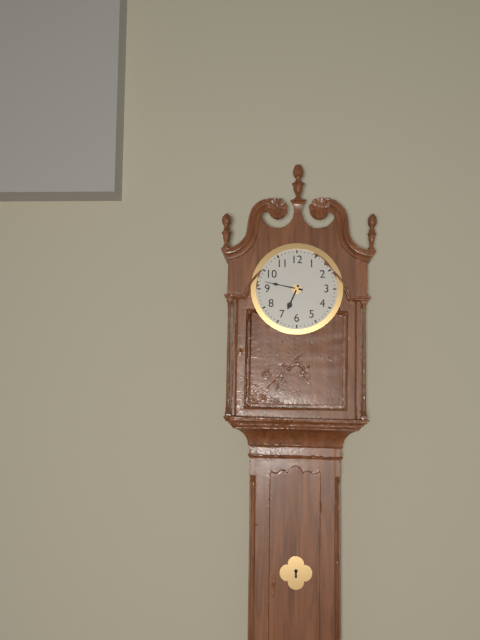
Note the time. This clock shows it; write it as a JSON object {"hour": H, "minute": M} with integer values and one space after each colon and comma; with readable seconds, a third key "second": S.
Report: {"hour": 6, "minute": 47}
